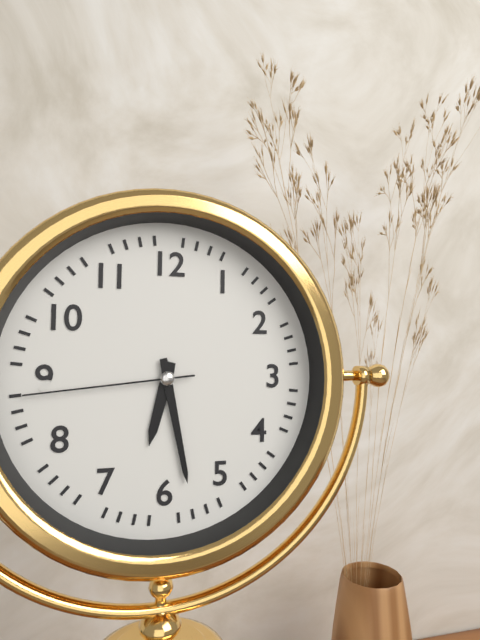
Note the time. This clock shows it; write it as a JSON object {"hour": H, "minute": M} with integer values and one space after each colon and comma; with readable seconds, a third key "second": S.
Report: {"hour": 6, "minute": 28, "second": 44}
